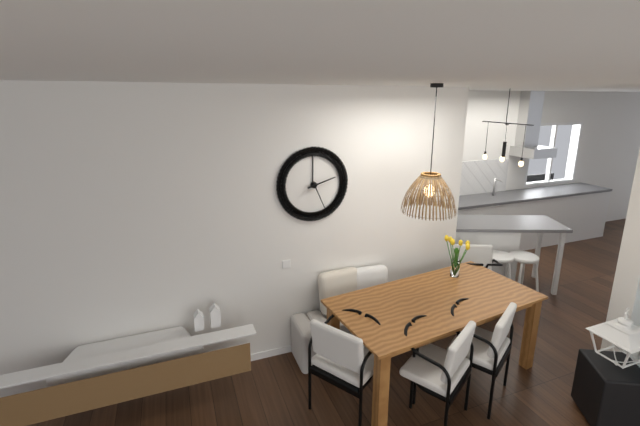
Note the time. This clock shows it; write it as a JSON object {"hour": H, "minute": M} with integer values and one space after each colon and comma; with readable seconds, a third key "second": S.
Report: {"hour": 2, "minute": 26}
